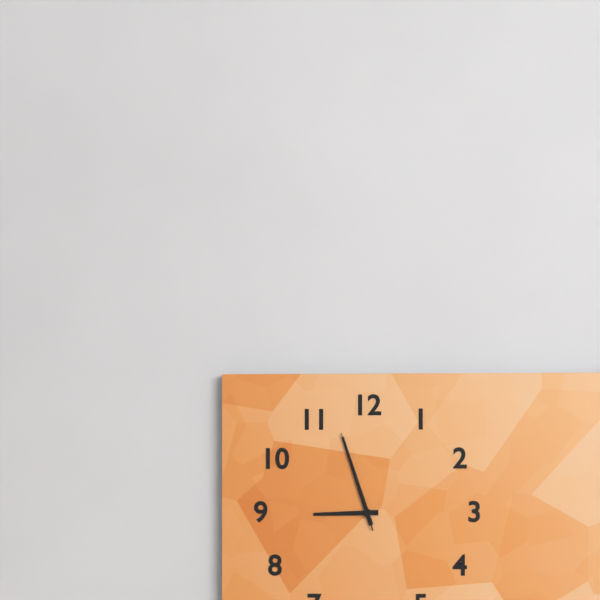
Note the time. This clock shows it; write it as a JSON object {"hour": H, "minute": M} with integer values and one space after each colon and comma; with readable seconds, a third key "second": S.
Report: {"hour": 8, "minute": 57, "second": 57}
